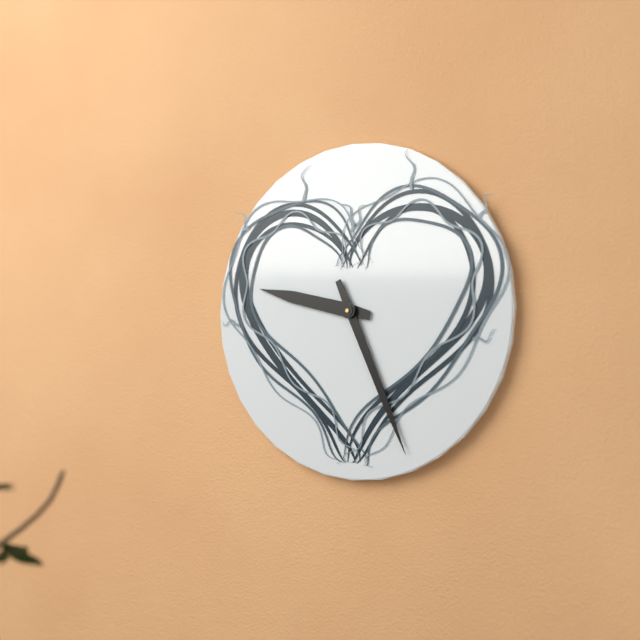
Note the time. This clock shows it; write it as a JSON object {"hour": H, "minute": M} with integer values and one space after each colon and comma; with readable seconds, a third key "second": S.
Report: {"hour": 9, "minute": 26}
